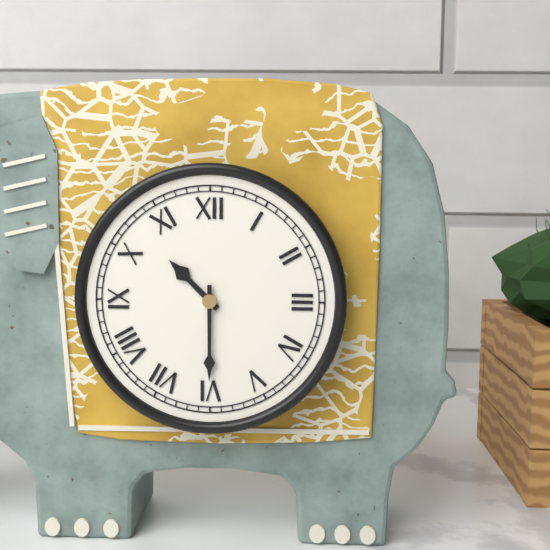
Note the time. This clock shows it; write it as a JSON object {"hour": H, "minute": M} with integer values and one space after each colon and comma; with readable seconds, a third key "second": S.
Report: {"hour": 10, "minute": 30}
